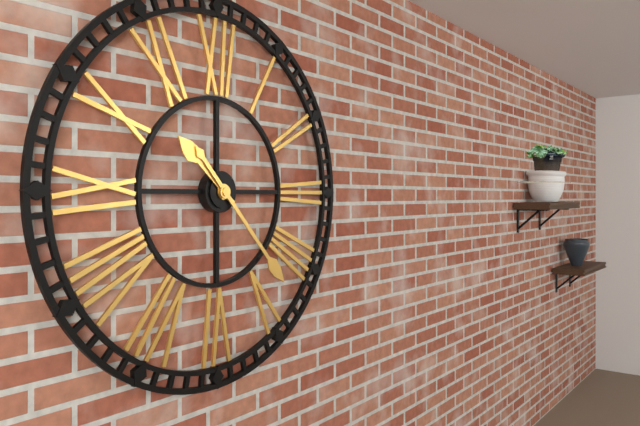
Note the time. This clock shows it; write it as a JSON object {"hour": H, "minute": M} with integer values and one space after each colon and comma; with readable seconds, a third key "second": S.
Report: {"hour": 10, "minute": 23}
